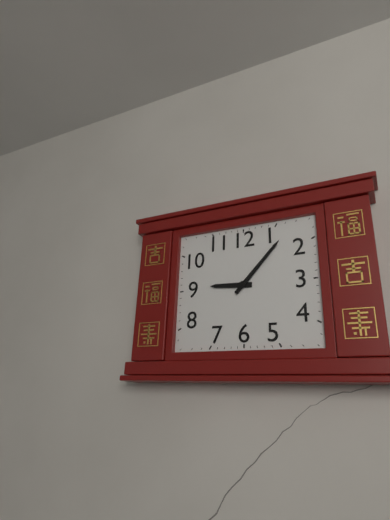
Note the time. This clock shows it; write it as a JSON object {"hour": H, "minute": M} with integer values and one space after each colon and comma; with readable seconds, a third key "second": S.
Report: {"hour": 9, "minute": 7}
